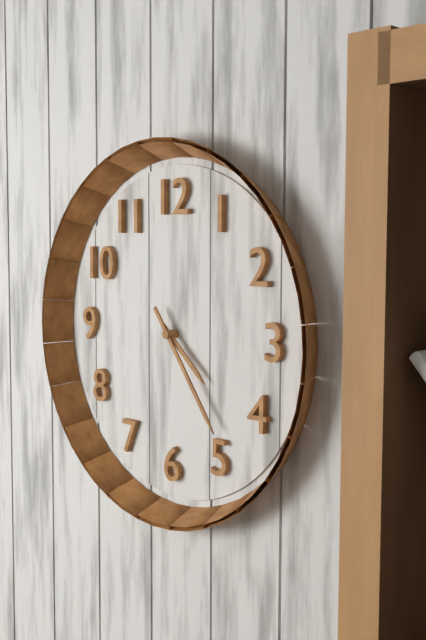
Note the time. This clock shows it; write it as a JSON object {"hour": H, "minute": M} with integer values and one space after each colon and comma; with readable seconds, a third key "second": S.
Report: {"hour": 4, "minute": 24}
